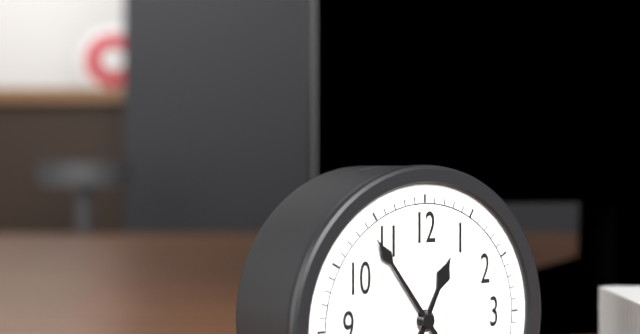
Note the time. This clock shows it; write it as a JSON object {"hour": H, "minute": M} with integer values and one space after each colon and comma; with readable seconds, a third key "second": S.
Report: {"hour": 12, "minute": 54}
